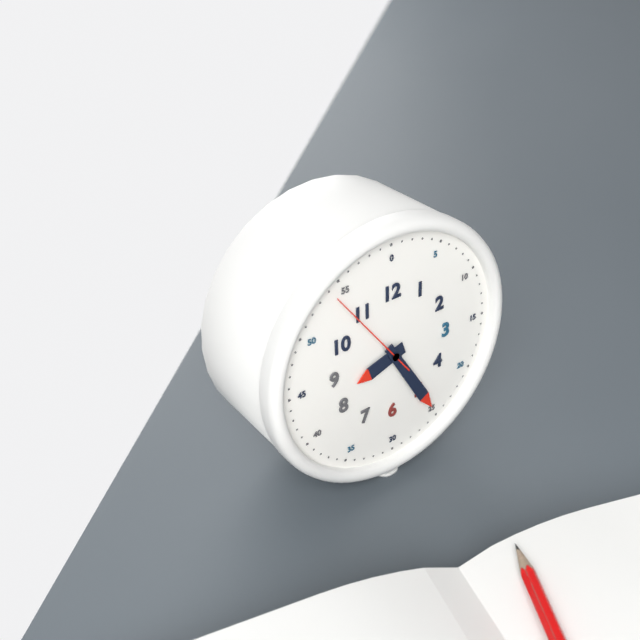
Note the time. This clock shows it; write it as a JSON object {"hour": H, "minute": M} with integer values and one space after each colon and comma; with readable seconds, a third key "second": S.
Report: {"hour": 8, "minute": 25, "second": 54}
